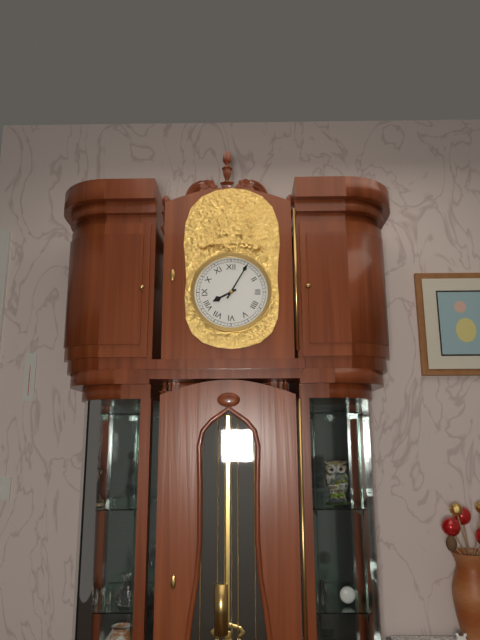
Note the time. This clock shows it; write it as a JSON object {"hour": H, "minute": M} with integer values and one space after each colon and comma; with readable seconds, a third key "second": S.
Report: {"hour": 8, "minute": 5}
